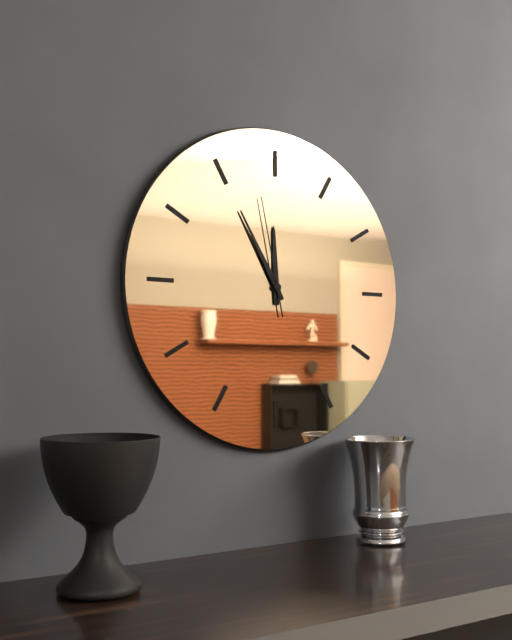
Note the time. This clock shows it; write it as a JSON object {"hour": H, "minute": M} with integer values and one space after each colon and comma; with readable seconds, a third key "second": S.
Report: {"hour": 11, "minute": 55, "second": 58}
